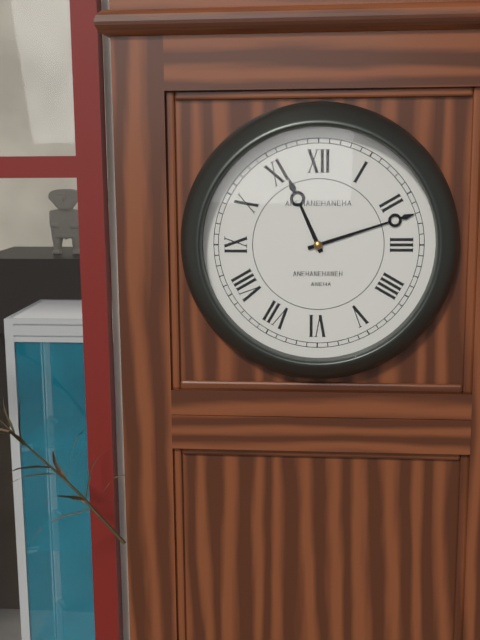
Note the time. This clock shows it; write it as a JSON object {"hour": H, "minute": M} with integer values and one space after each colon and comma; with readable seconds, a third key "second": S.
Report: {"hour": 11, "minute": 12}
